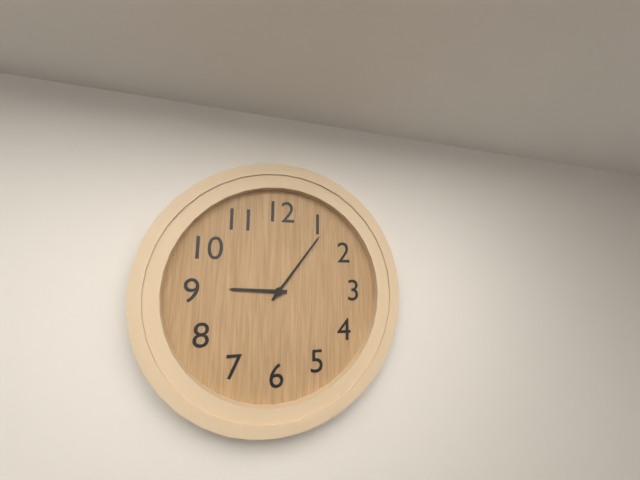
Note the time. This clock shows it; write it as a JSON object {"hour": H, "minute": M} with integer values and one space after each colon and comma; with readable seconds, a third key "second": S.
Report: {"hour": 9, "minute": 6}
